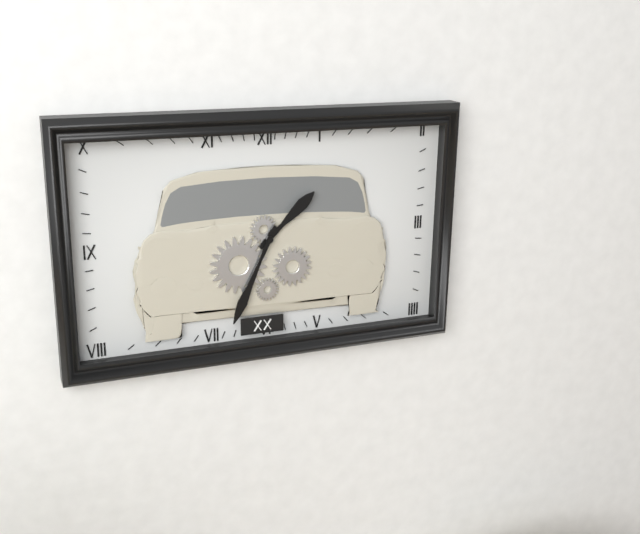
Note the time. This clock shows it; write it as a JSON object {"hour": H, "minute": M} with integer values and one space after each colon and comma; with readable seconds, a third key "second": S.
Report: {"hour": 1, "minute": 34}
